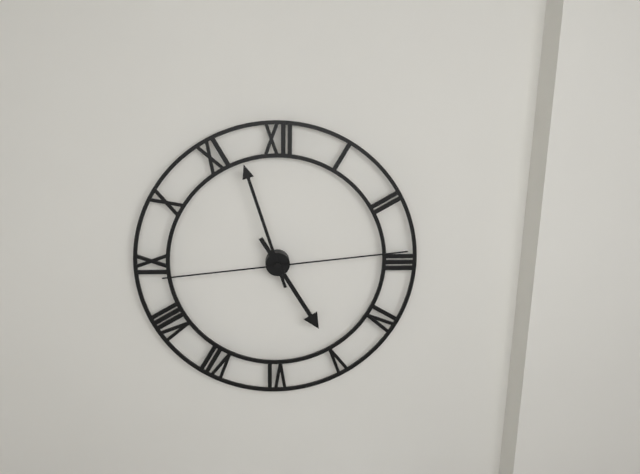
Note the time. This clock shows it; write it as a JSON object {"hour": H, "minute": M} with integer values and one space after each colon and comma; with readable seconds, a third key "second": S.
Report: {"hour": 4, "minute": 57, "second": 14}
